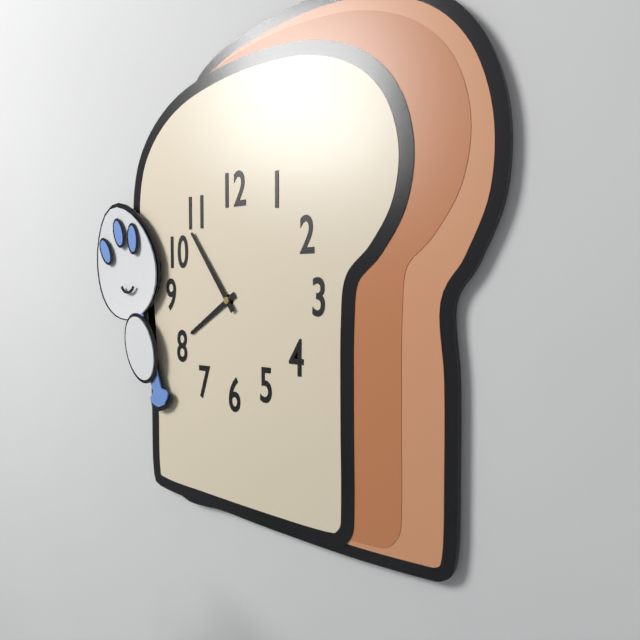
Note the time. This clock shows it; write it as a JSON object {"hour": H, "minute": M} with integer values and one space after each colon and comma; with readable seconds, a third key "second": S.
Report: {"hour": 7, "minute": 54}
